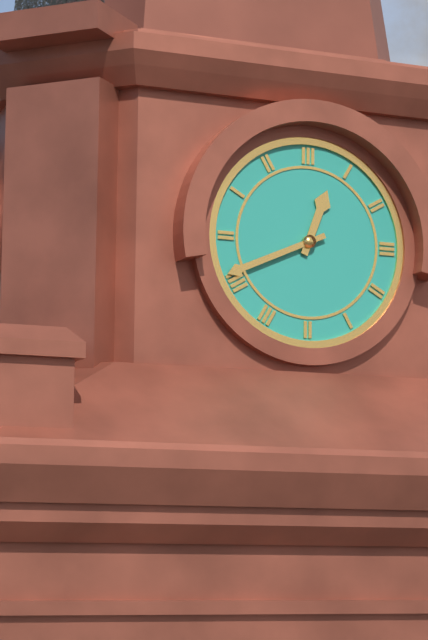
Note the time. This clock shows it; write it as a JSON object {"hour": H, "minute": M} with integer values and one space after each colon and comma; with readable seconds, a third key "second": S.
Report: {"hour": 12, "minute": 41}
